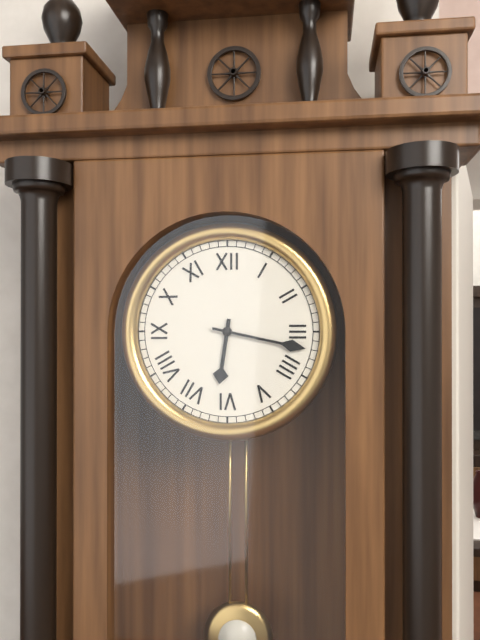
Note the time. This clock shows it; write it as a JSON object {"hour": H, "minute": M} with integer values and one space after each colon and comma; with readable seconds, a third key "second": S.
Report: {"hour": 6, "minute": 17}
